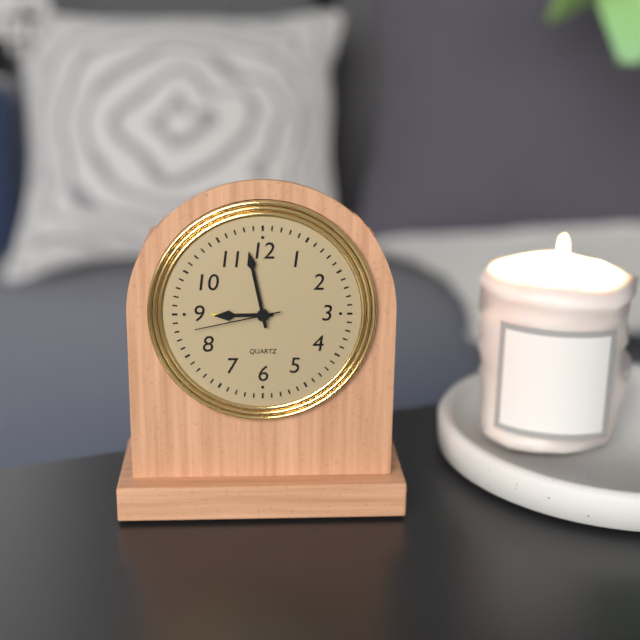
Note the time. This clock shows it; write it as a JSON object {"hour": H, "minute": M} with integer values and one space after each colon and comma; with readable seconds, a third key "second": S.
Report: {"hour": 8, "minute": 58, "second": 43}
